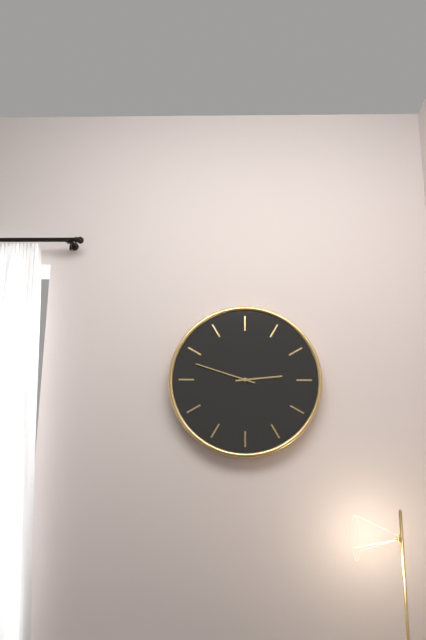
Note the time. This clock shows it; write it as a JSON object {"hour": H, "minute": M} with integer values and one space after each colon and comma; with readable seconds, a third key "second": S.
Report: {"hour": 2, "minute": 48}
